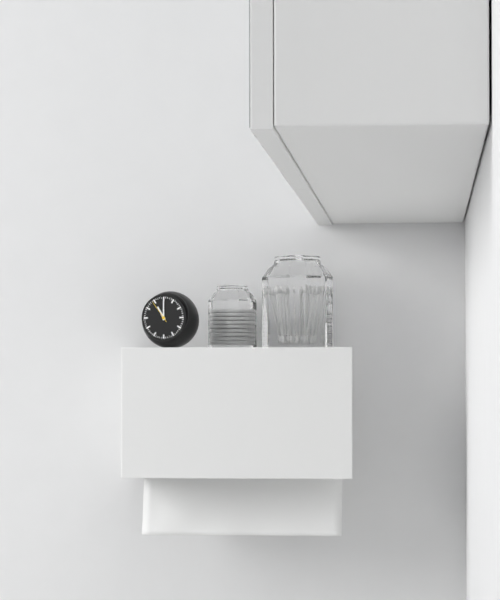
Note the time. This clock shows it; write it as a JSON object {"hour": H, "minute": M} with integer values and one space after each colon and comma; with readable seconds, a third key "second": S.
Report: {"hour": 11, "minute": 0}
